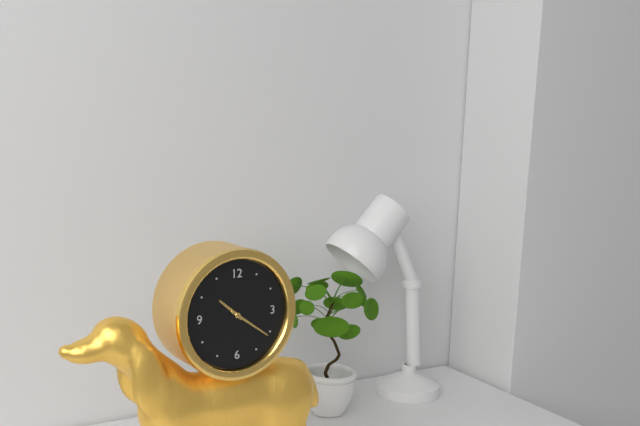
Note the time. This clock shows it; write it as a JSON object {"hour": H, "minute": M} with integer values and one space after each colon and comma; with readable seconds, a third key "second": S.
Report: {"hour": 10, "minute": 21}
